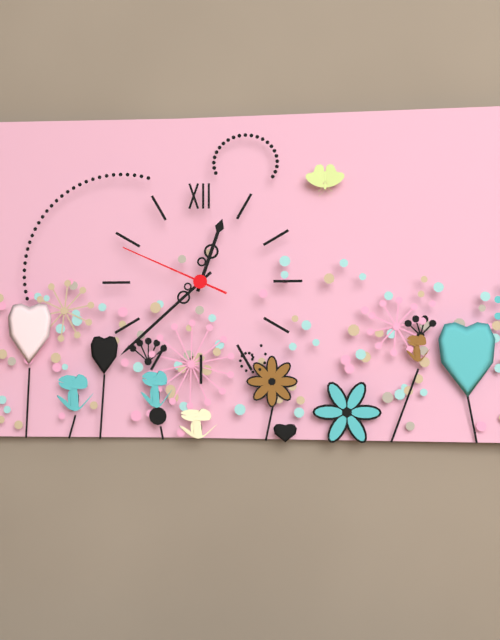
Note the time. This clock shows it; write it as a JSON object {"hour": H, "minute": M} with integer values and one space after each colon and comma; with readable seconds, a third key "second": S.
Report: {"hour": 12, "minute": 38, "second": 49}
